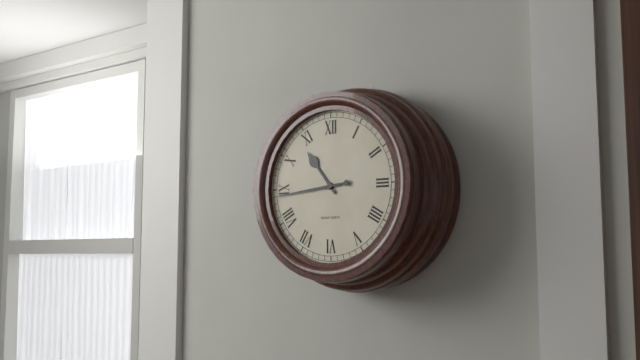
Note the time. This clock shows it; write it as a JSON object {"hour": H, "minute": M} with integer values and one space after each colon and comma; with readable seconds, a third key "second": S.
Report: {"hour": 10, "minute": 44}
